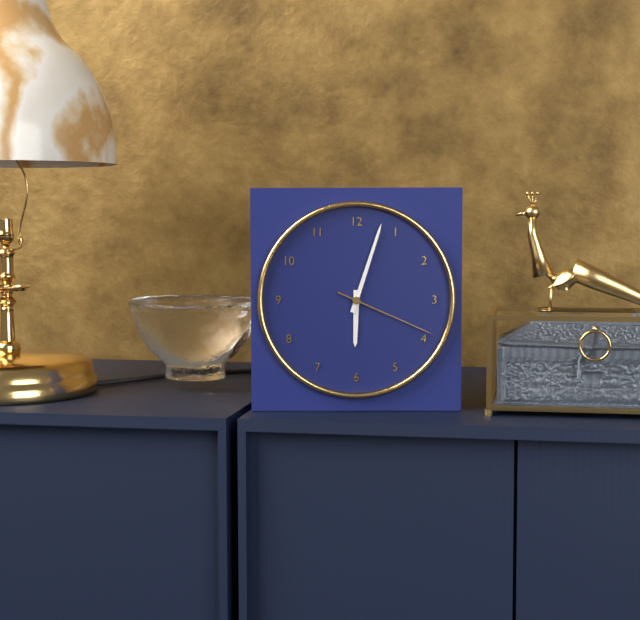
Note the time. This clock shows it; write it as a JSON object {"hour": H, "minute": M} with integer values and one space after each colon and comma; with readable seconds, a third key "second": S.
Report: {"hour": 6, "minute": 3, "second": 19}
